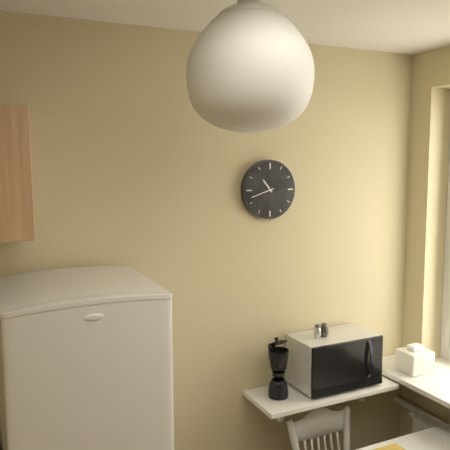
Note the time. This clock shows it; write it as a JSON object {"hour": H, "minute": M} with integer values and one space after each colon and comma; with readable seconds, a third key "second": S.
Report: {"hour": 10, "minute": 42}
